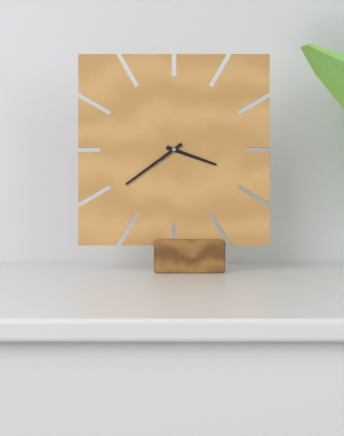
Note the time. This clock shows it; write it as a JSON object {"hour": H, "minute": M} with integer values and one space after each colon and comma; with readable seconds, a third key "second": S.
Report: {"hour": 3, "minute": 39}
